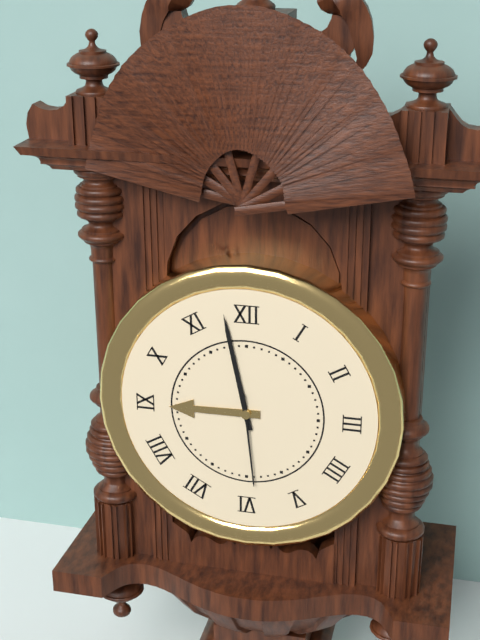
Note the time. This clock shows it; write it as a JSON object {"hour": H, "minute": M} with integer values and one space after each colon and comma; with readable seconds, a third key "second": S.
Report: {"hour": 8, "minute": 58, "second": 29}
